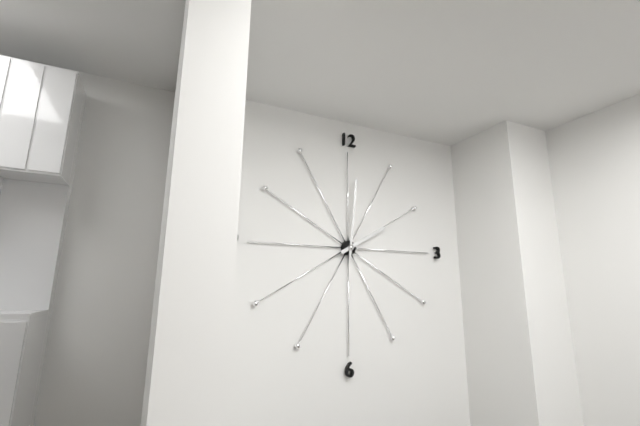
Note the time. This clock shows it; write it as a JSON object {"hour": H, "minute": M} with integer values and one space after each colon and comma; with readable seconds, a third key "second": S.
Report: {"hour": 2, "minute": 1}
